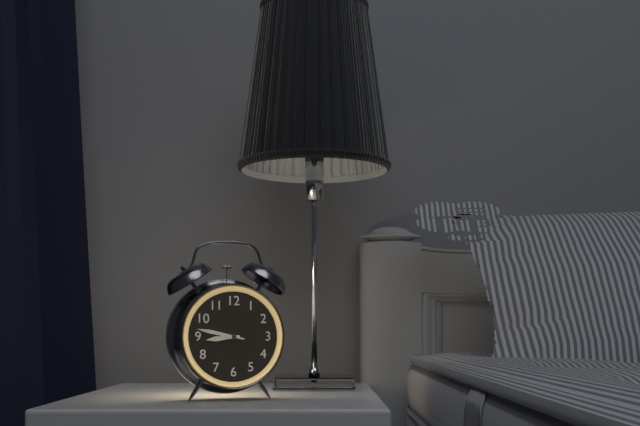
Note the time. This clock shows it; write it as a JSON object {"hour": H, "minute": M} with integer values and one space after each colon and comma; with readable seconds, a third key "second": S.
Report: {"hour": 8, "minute": 47}
